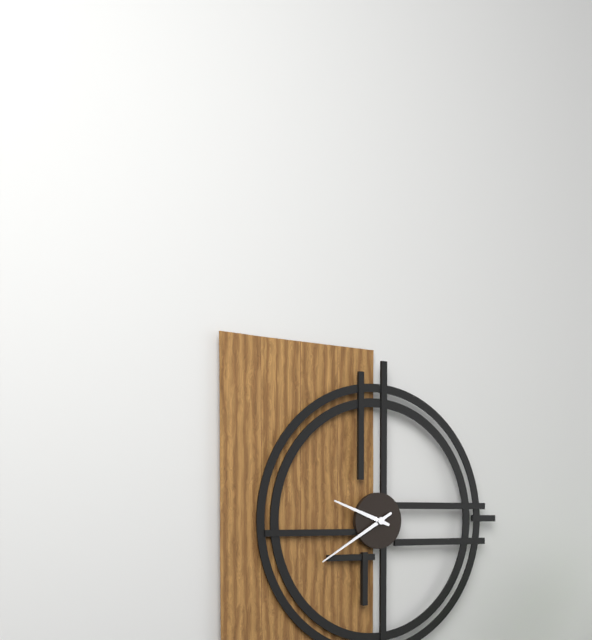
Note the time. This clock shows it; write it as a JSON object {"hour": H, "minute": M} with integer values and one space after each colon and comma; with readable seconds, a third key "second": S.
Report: {"hour": 9, "minute": 40}
